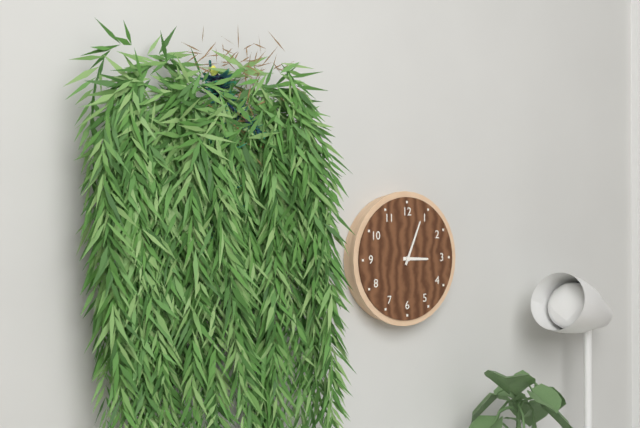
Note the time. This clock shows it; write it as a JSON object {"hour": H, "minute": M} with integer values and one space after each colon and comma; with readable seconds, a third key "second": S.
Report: {"hour": 3, "minute": 4}
